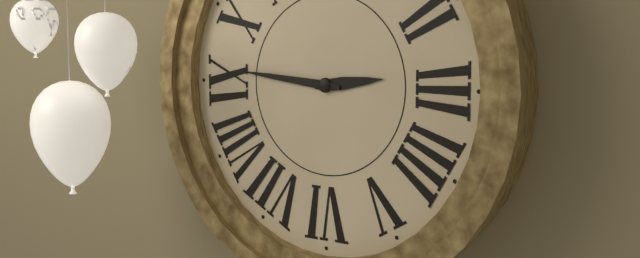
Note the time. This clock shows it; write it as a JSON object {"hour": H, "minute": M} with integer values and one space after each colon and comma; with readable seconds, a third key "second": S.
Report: {"hour": 2, "minute": 46}
